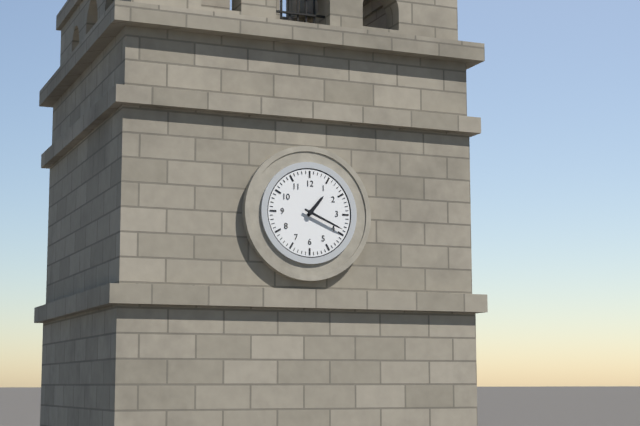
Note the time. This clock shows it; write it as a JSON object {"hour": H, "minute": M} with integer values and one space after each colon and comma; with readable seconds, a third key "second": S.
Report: {"hour": 1, "minute": 19}
